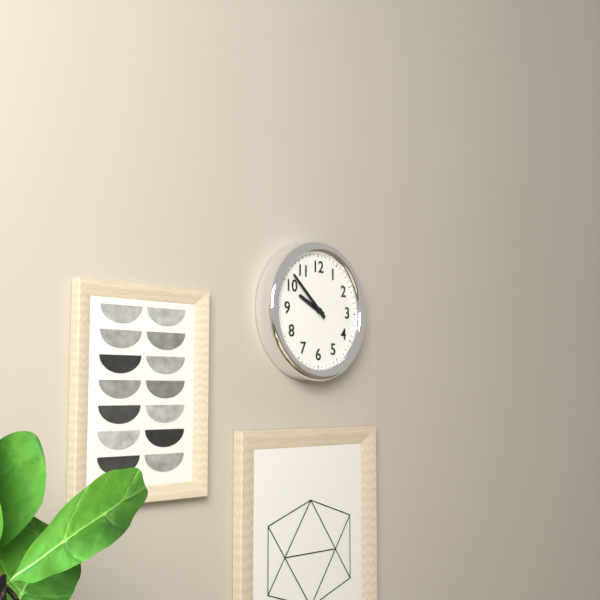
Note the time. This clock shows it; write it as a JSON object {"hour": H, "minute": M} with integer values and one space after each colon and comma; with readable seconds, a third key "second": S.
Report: {"hour": 9, "minute": 52}
